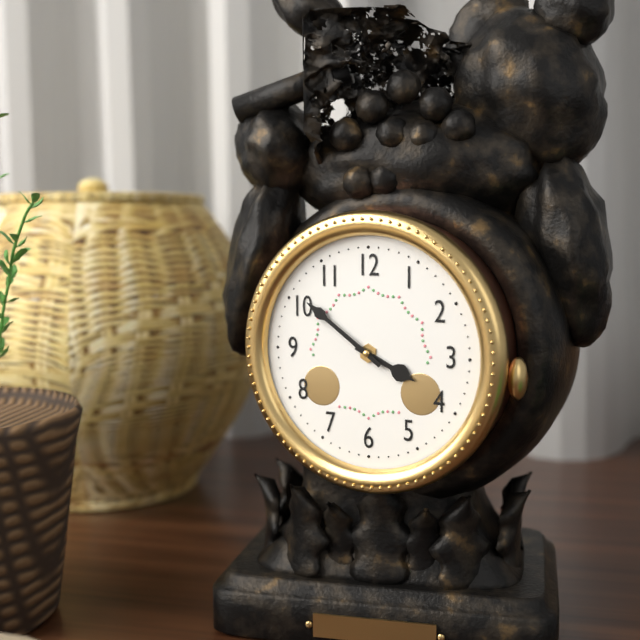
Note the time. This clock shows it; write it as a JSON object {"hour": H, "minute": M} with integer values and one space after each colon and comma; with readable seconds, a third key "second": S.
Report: {"hour": 3, "minute": 51}
